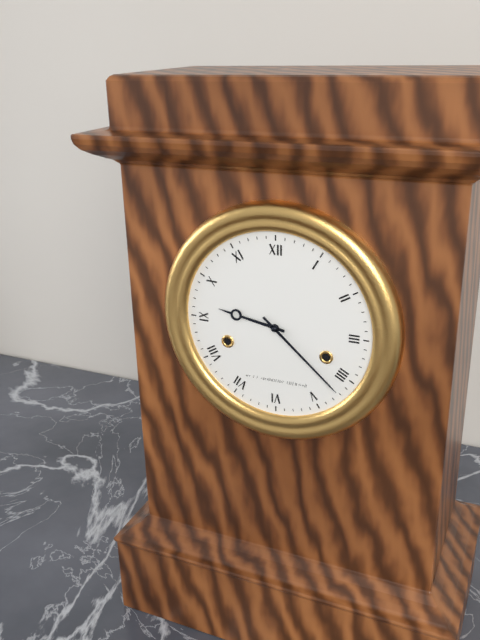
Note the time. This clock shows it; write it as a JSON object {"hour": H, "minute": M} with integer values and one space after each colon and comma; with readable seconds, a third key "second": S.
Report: {"hour": 9, "minute": 22}
